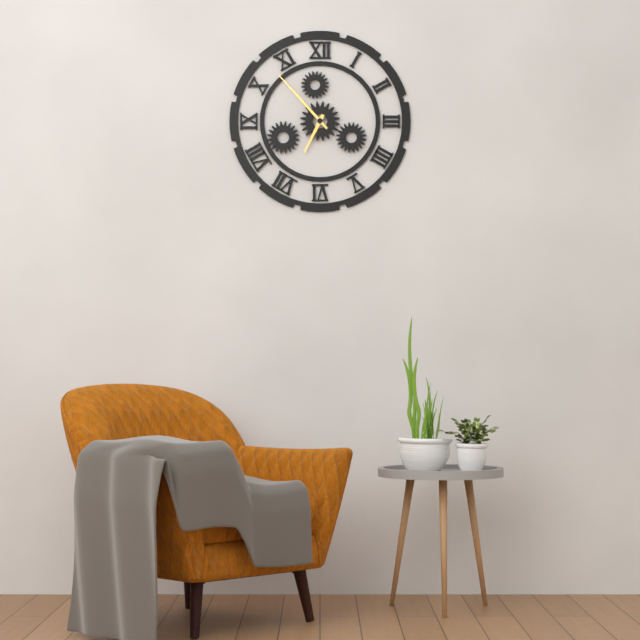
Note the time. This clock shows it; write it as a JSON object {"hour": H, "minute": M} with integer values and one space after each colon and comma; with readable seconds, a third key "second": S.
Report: {"hour": 6, "minute": 53}
